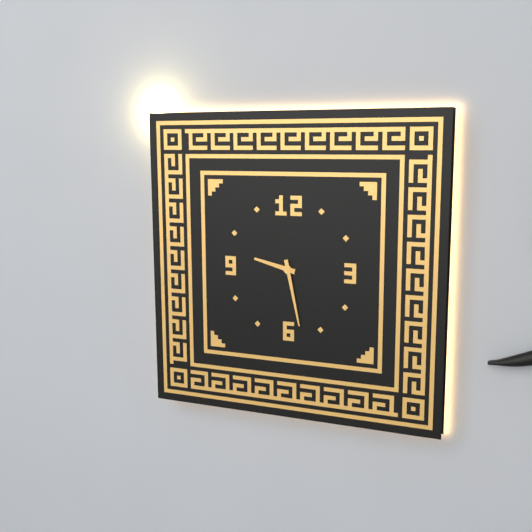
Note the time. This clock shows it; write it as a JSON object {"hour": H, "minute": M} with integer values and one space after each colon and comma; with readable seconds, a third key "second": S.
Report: {"hour": 9, "minute": 28}
